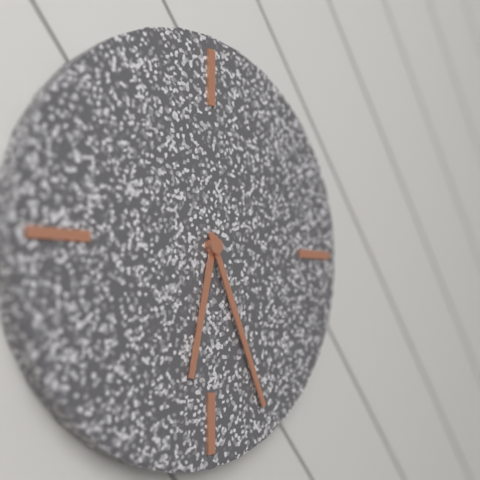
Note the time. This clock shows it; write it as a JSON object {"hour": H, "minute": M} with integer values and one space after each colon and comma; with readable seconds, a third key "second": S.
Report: {"hour": 6, "minute": 26}
